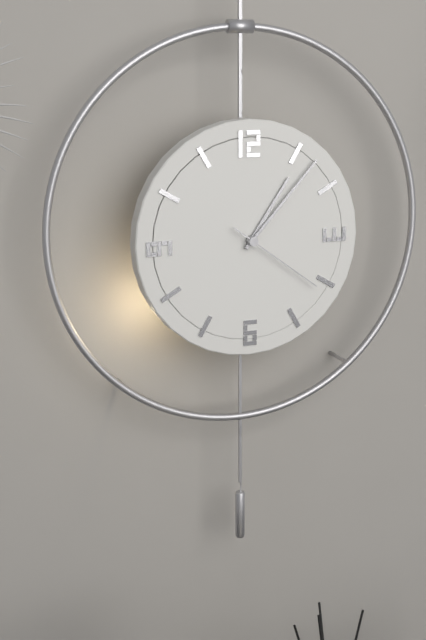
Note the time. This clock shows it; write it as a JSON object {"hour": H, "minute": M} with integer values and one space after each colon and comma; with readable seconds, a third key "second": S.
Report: {"hour": 1, "minute": 7, "second": 21}
